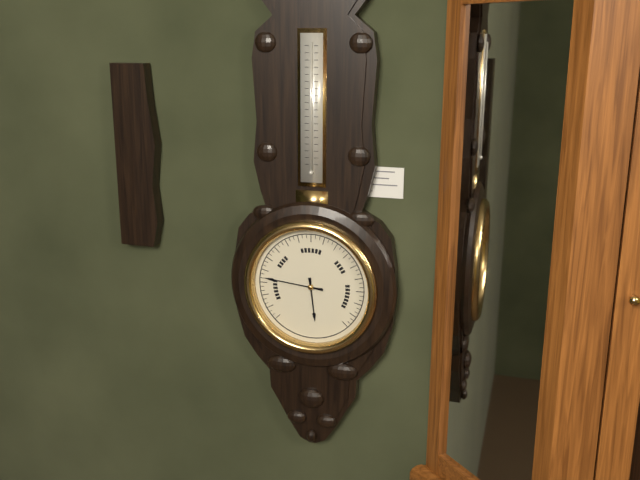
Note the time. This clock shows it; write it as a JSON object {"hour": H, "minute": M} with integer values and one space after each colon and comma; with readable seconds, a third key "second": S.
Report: {"hour": 5, "minute": 46}
